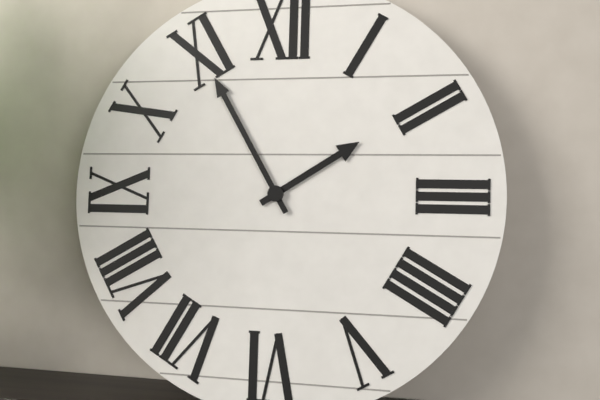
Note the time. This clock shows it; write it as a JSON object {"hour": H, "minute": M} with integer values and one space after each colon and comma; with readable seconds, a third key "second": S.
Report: {"hour": 1, "minute": 55}
